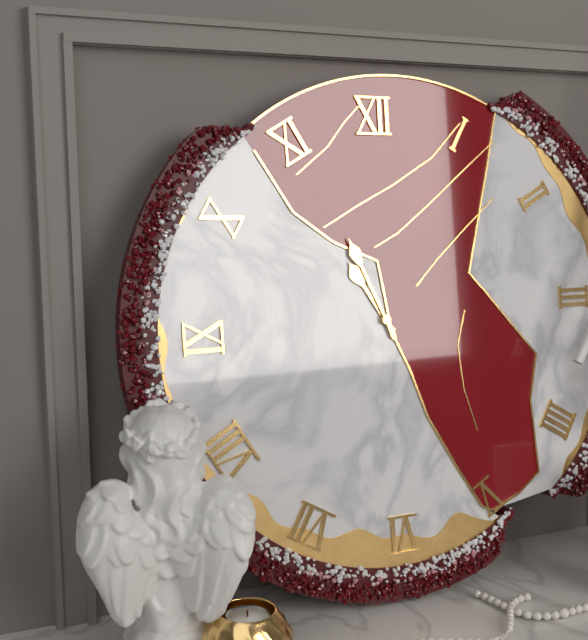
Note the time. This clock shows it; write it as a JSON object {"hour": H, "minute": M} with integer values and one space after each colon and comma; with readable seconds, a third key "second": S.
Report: {"hour": 10, "minute": 56}
